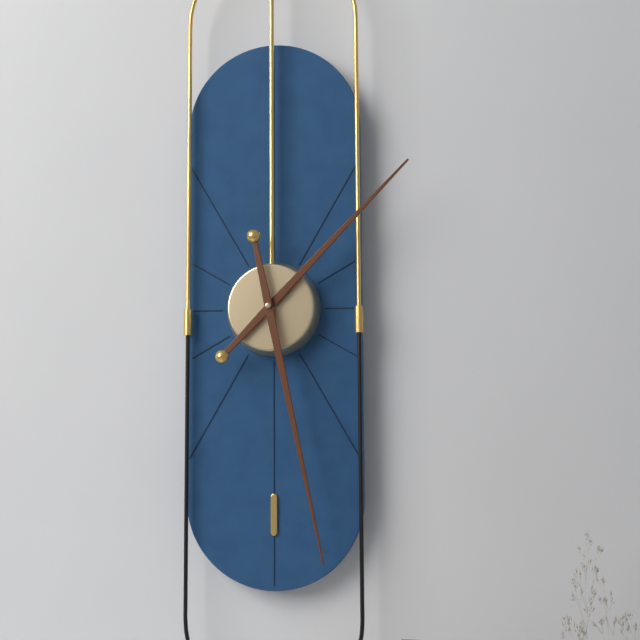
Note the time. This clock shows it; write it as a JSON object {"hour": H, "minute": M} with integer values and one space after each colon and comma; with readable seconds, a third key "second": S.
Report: {"hour": 1, "minute": 28}
